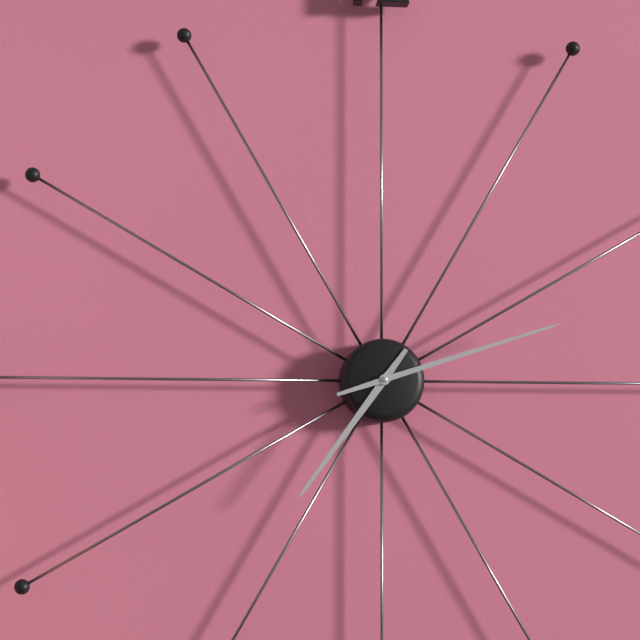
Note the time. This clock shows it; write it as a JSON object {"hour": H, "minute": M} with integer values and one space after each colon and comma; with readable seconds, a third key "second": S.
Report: {"hour": 7, "minute": 12}
